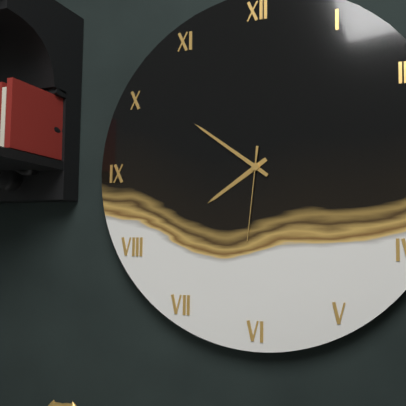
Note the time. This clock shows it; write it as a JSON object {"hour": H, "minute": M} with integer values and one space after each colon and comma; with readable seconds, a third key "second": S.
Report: {"hour": 7, "minute": 51, "second": 31}
